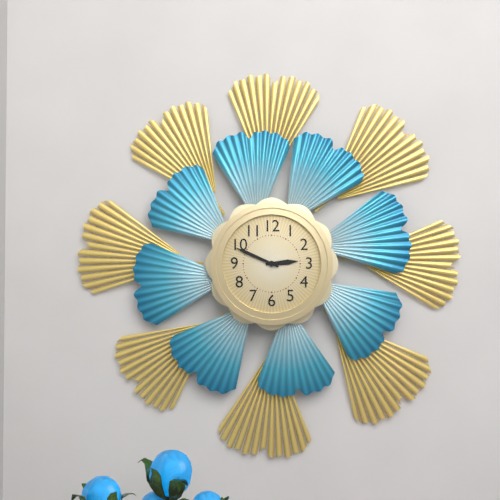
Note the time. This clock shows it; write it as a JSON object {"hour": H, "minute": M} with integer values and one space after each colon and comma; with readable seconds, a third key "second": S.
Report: {"hour": 2, "minute": 49}
